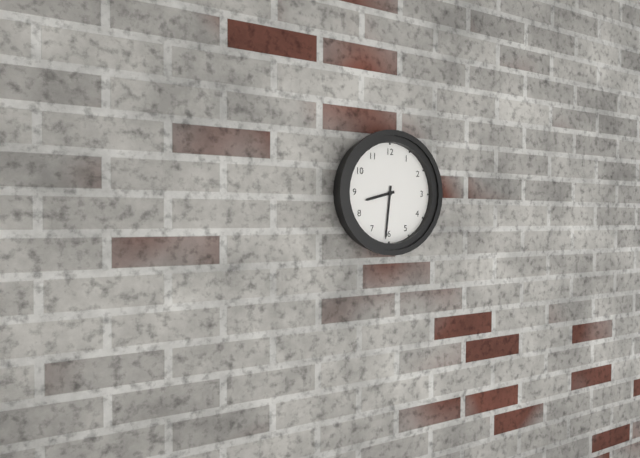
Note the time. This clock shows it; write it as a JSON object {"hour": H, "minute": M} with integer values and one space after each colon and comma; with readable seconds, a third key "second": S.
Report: {"hour": 8, "minute": 31}
